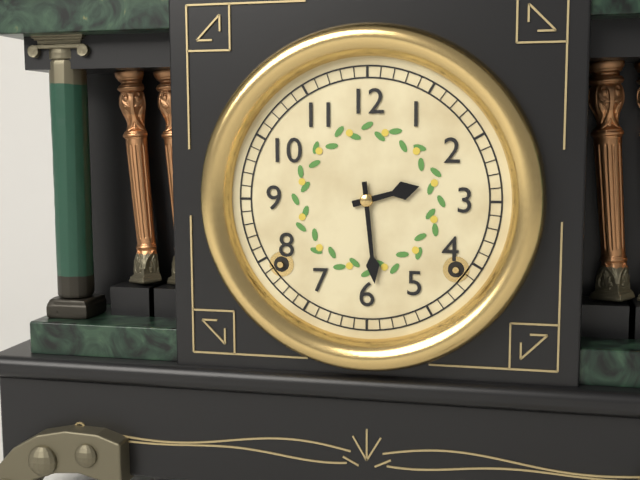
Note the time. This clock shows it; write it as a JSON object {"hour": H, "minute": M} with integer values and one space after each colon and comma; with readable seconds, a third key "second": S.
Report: {"hour": 2, "minute": 29}
